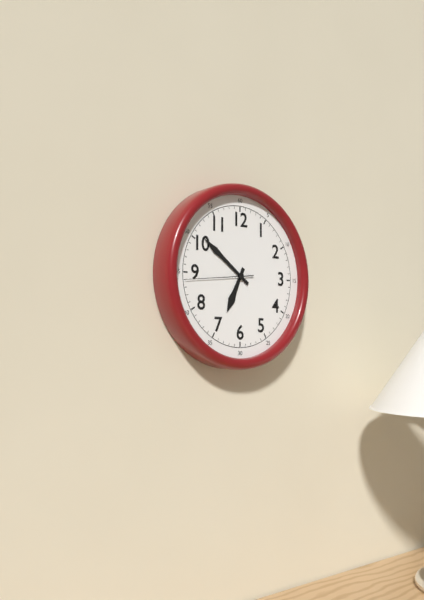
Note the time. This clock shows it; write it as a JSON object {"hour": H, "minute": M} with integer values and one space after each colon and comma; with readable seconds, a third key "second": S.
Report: {"hour": 6, "minute": 51, "second": 44}
